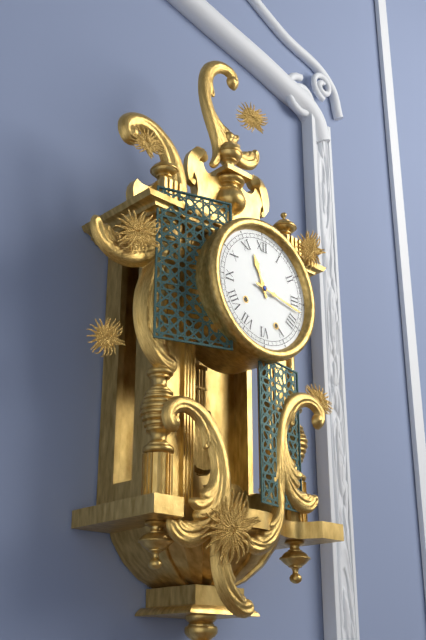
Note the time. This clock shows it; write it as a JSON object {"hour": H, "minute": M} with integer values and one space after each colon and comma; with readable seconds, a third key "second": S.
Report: {"hour": 11, "minute": 17}
